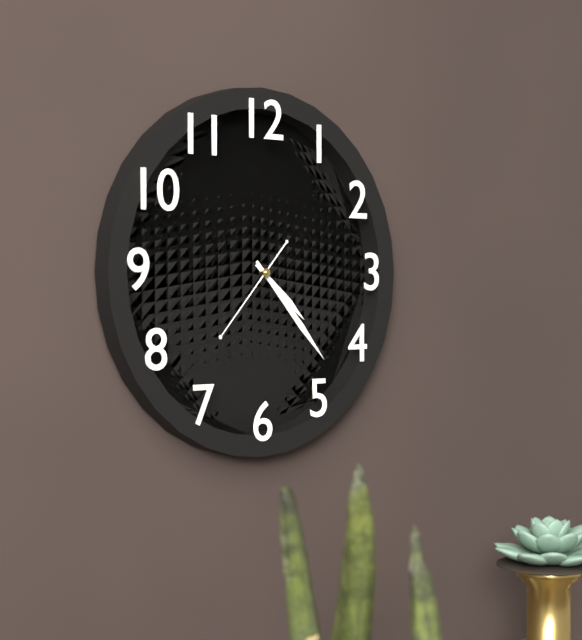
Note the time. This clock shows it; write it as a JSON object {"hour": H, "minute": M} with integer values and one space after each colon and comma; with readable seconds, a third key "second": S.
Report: {"hour": 4, "minute": 23, "second": 37}
